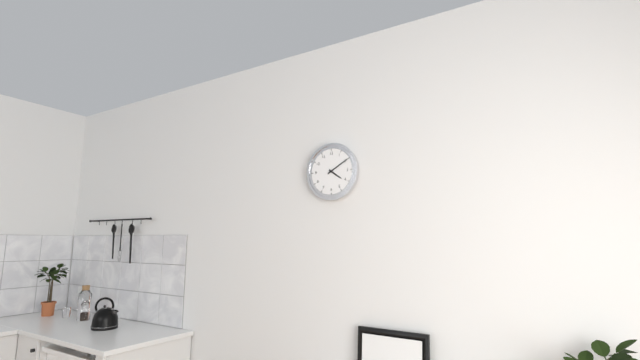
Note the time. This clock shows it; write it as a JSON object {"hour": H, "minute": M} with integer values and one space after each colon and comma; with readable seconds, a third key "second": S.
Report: {"hour": 4, "minute": 10}
